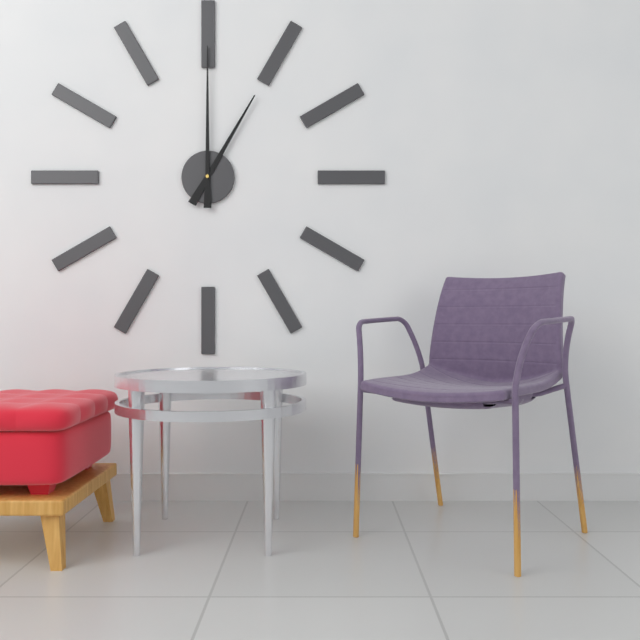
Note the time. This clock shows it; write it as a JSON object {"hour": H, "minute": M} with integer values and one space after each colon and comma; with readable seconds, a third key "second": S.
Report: {"hour": 1, "minute": 0}
